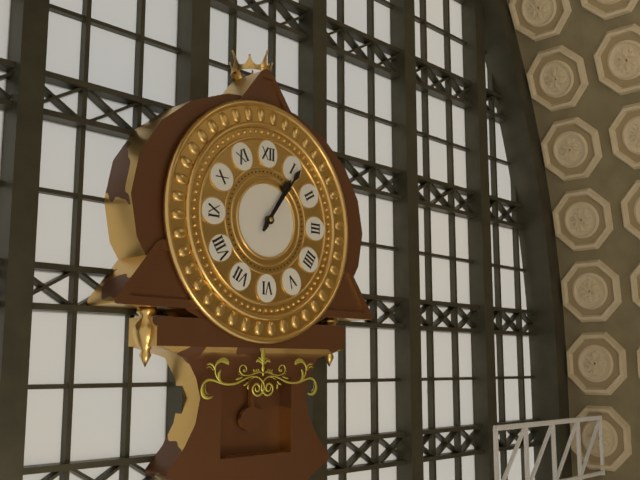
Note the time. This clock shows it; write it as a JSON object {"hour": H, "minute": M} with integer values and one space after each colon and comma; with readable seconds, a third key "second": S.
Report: {"hour": 1, "minute": 6}
